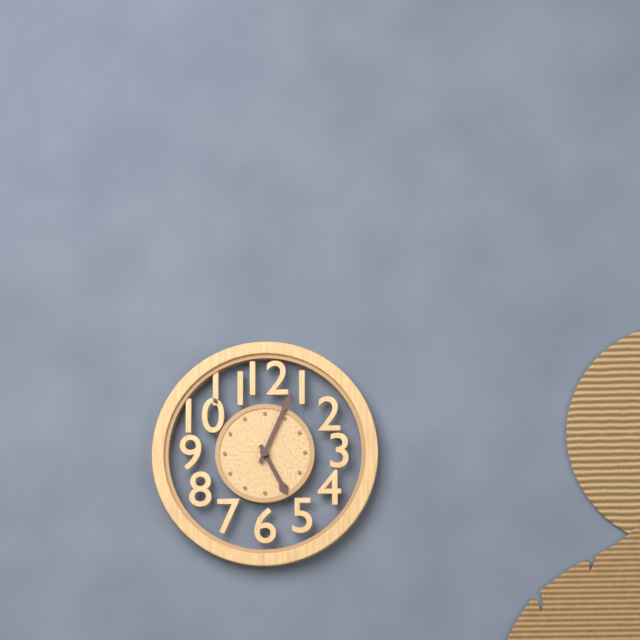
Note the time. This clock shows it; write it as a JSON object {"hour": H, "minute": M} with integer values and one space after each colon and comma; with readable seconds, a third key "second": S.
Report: {"hour": 5, "minute": 4}
